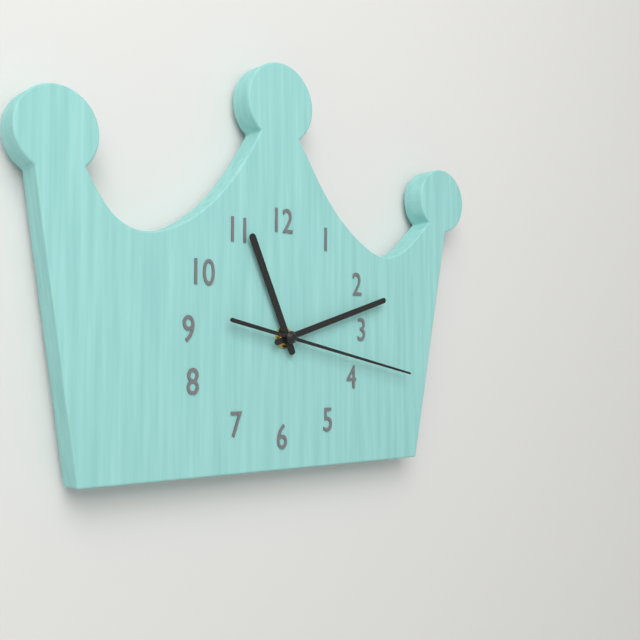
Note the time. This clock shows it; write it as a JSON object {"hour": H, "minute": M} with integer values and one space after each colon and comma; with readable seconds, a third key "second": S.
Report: {"hour": 11, "minute": 12, "second": 17}
